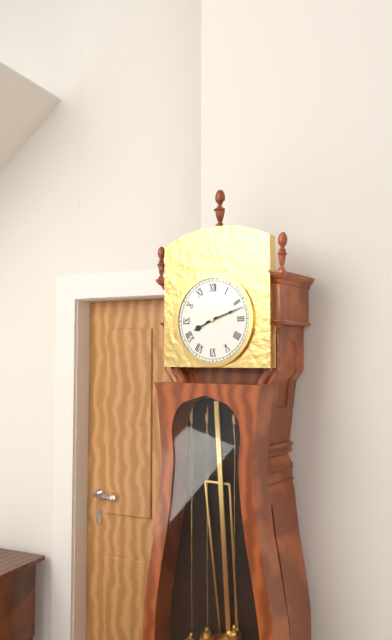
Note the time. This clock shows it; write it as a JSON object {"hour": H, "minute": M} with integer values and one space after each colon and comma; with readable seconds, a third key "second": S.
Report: {"hour": 8, "minute": 12}
